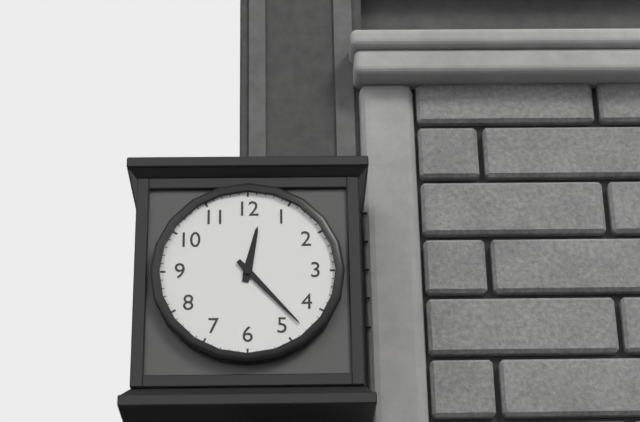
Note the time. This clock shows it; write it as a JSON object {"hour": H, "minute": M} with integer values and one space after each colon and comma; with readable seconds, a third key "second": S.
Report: {"hour": 12, "minute": 23}
